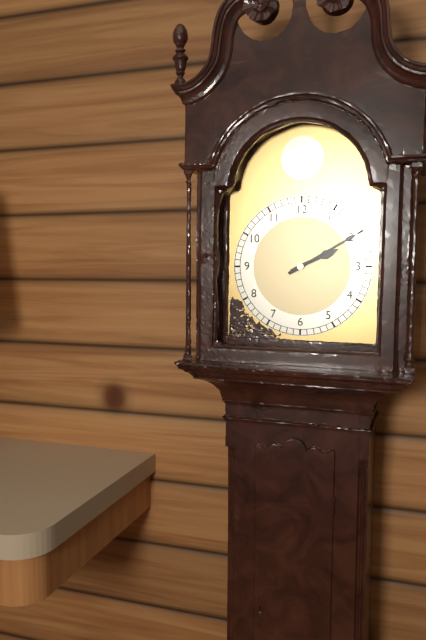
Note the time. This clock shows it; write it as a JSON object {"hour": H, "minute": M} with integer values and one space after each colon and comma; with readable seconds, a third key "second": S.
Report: {"hour": 2, "minute": 10}
